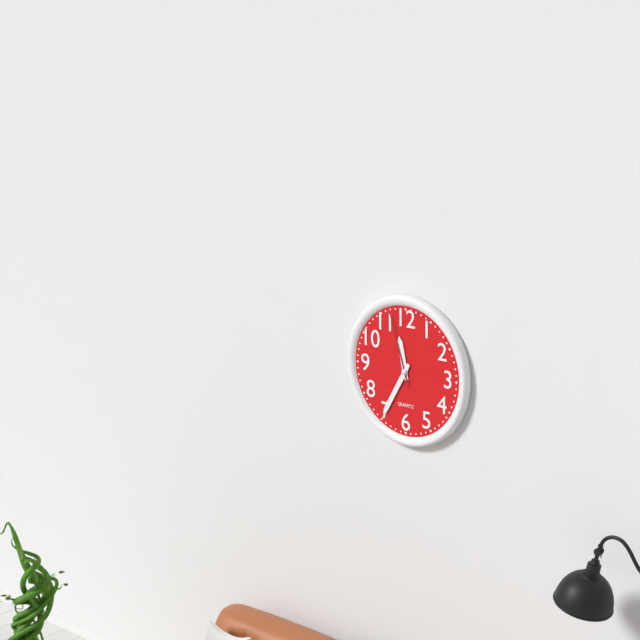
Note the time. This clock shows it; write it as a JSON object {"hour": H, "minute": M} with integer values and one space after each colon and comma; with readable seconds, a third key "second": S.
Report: {"hour": 11, "minute": 35, "second": 57}
